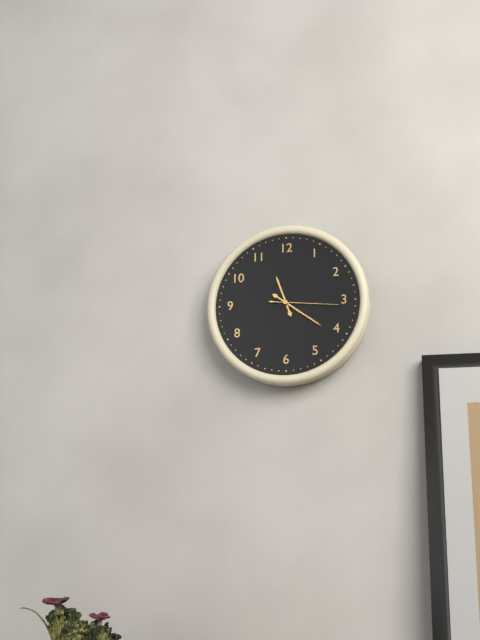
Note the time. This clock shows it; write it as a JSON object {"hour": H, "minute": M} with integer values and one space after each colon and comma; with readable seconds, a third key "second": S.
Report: {"hour": 11, "minute": 21, "second": 16}
